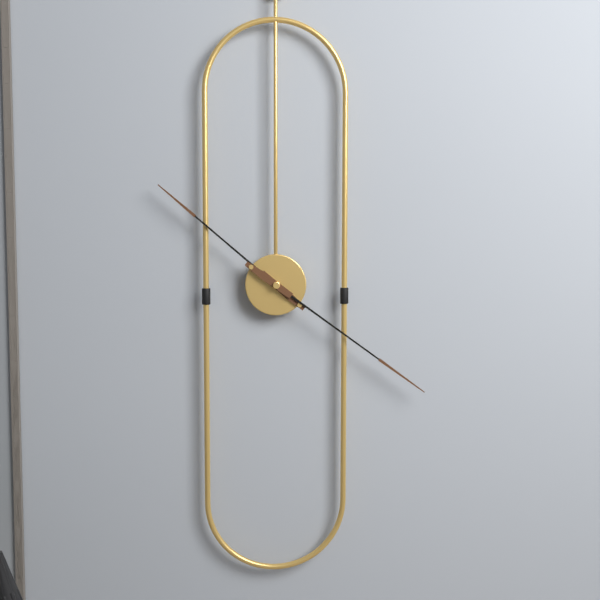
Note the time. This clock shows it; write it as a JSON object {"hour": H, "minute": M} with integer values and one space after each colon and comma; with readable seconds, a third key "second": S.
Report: {"hour": 10, "minute": 21}
